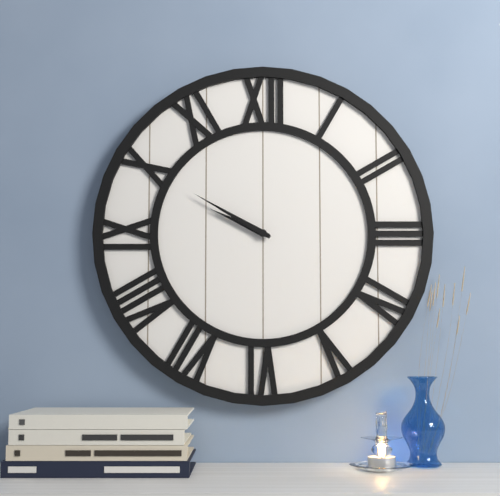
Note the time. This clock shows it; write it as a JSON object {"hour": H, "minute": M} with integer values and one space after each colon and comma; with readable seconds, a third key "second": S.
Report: {"hour": 9, "minute": 50}
